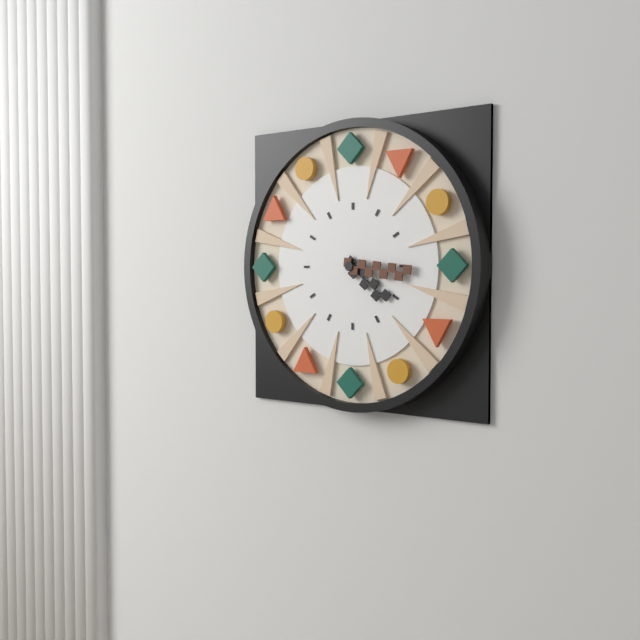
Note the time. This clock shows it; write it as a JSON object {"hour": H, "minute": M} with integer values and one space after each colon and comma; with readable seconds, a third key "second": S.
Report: {"hour": 4, "minute": 16}
